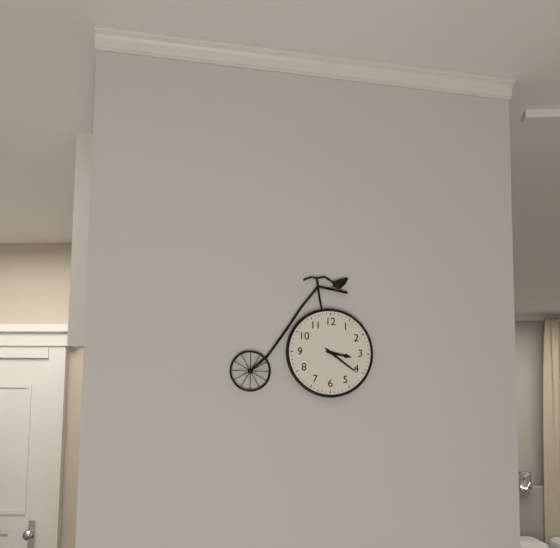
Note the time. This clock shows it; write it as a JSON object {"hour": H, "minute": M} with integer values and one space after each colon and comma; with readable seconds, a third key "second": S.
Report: {"hour": 3, "minute": 21}
